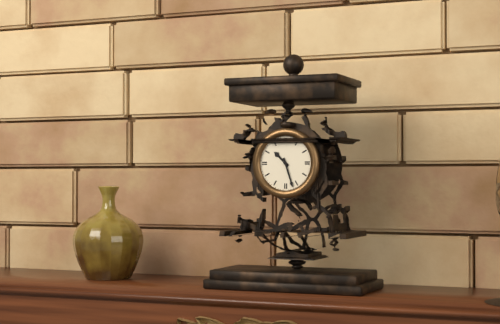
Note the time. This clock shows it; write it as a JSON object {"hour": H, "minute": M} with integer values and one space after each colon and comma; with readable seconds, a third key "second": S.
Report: {"hour": 10, "minute": 27}
